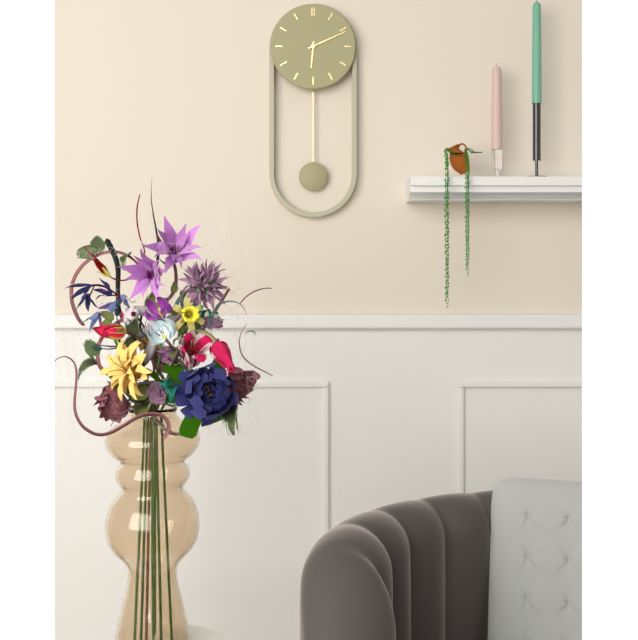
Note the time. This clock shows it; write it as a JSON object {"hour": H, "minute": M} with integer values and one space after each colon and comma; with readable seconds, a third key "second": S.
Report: {"hour": 6, "minute": 11}
